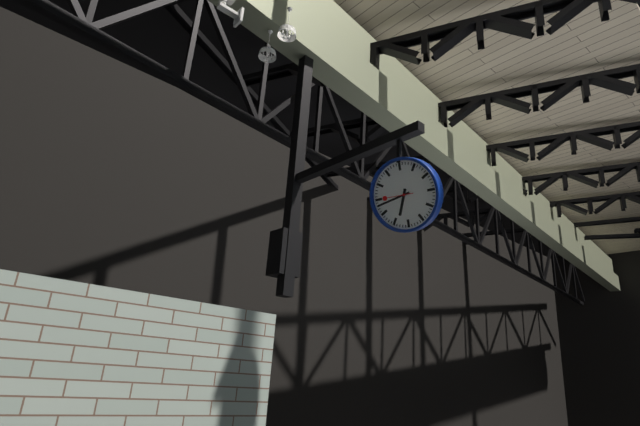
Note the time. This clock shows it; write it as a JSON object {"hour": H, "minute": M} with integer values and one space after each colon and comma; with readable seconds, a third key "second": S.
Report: {"hour": 6, "minute": 43}
